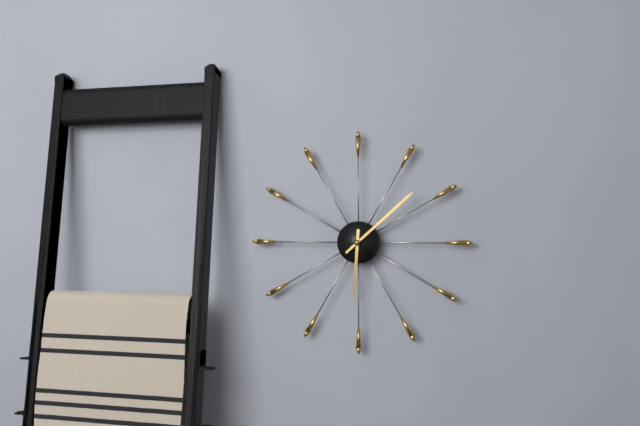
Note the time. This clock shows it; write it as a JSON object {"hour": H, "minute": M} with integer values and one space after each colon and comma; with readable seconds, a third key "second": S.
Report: {"hour": 6, "minute": 8}
